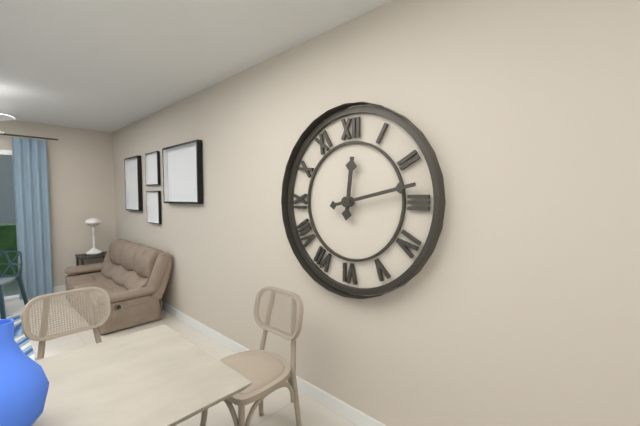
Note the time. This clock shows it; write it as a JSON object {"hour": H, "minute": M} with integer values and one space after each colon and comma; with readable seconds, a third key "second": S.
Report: {"hour": 12, "minute": 13}
